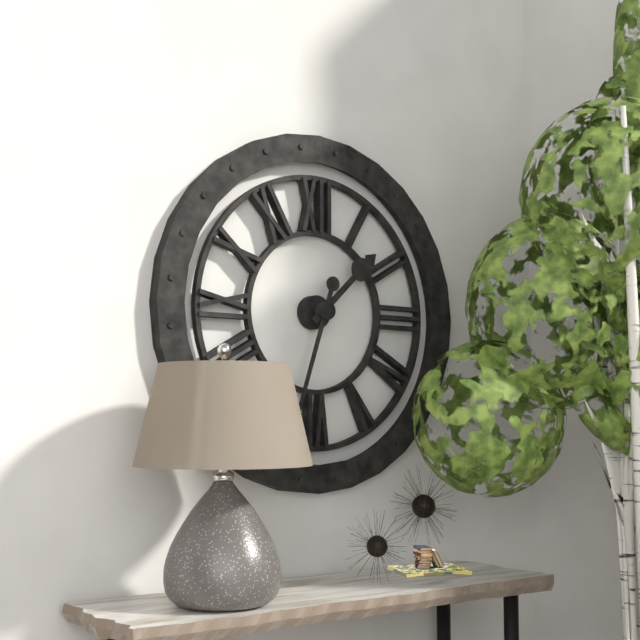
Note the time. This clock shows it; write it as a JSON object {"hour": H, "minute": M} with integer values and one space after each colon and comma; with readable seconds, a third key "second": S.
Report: {"hour": 1, "minute": 33}
